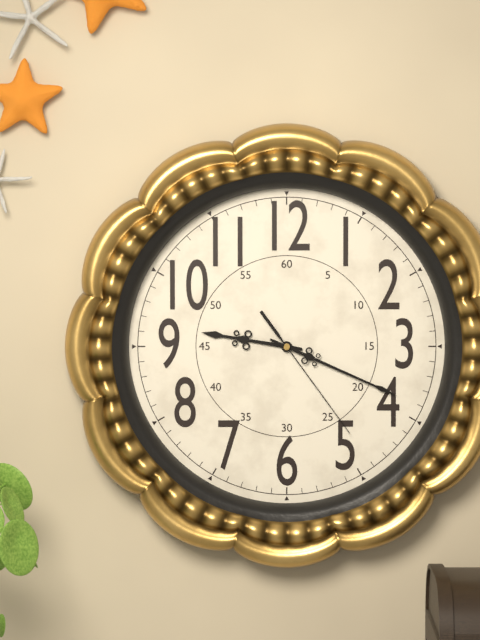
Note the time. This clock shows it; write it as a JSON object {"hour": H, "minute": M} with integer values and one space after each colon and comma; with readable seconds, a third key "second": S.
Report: {"hour": 9, "minute": 19, "second": 24}
